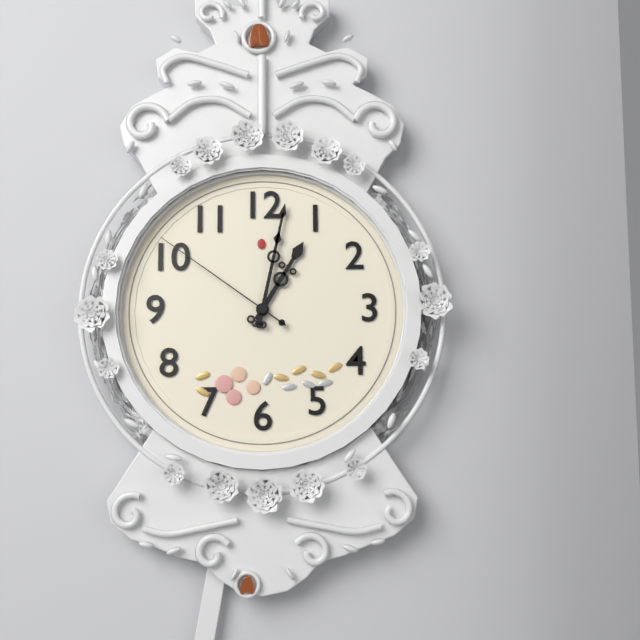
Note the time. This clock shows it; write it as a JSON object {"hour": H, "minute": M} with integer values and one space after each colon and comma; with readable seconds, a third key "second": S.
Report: {"hour": 1, "minute": 2, "second": 51}
